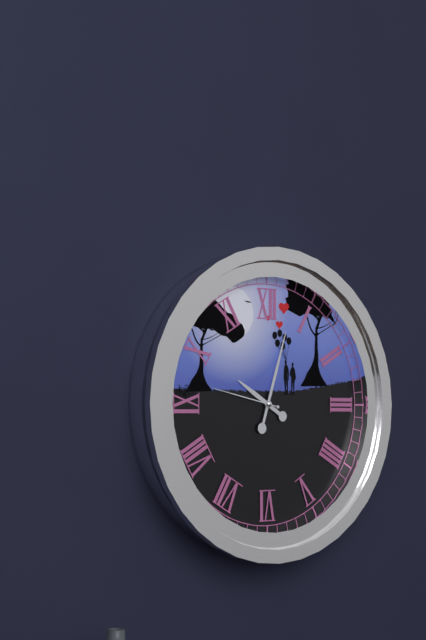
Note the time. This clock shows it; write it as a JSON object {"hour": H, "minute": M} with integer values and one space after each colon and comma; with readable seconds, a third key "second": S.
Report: {"hour": 10, "minute": 3, "second": 47}
